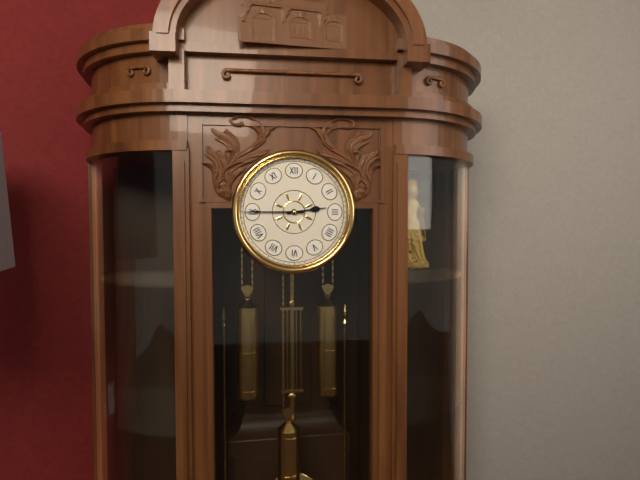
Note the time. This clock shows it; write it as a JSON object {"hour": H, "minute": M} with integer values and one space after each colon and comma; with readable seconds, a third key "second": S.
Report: {"hour": 2, "minute": 45}
